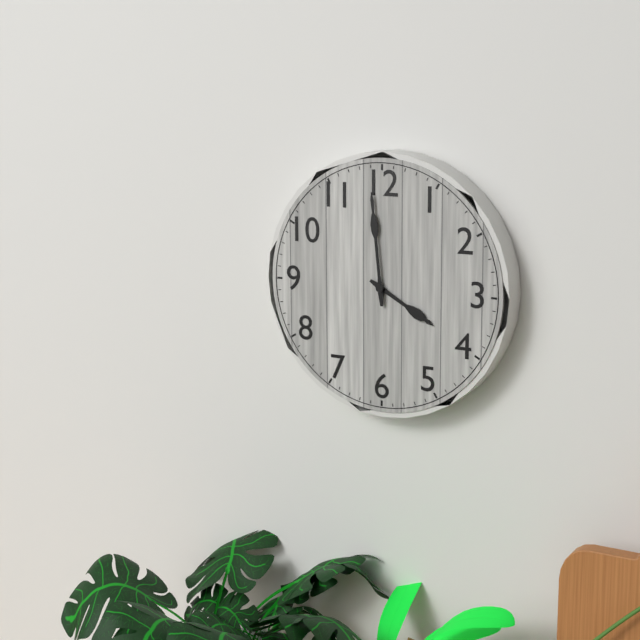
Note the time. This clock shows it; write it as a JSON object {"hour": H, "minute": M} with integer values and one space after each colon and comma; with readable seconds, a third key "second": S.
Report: {"hour": 3, "minute": 59}
